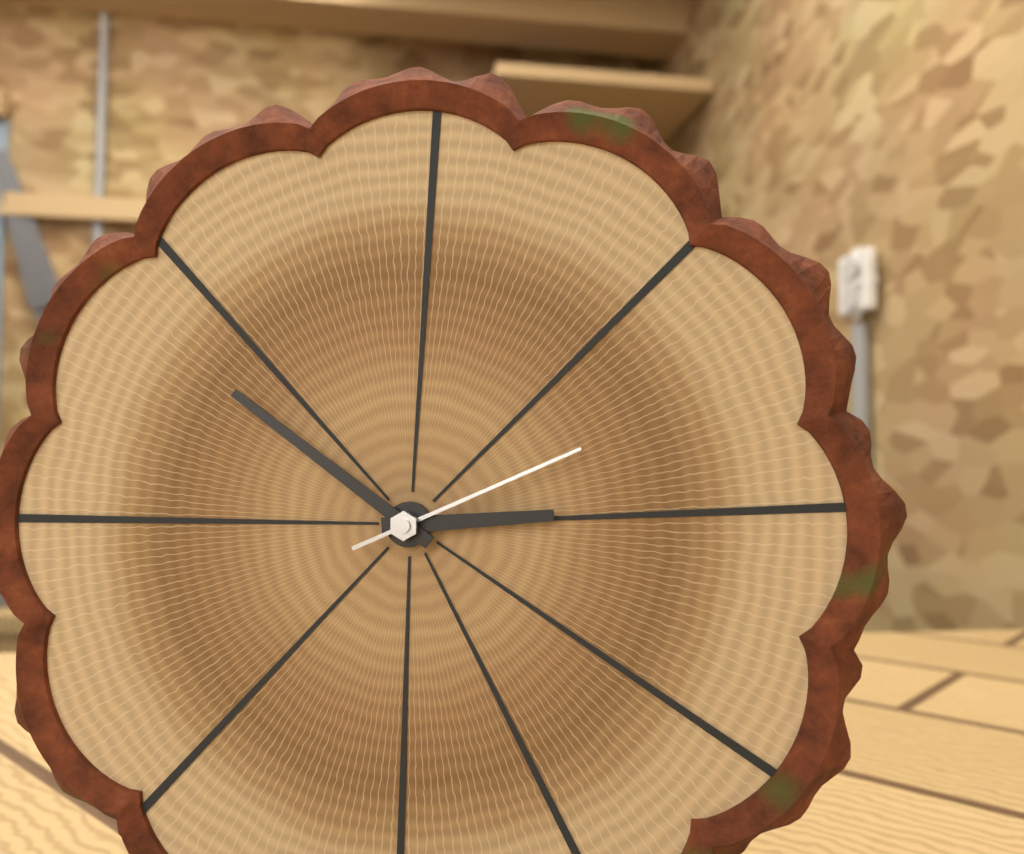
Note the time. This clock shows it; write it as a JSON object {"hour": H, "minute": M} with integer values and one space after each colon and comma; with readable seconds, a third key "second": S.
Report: {"hour": 2, "minute": 51, "second": 11}
